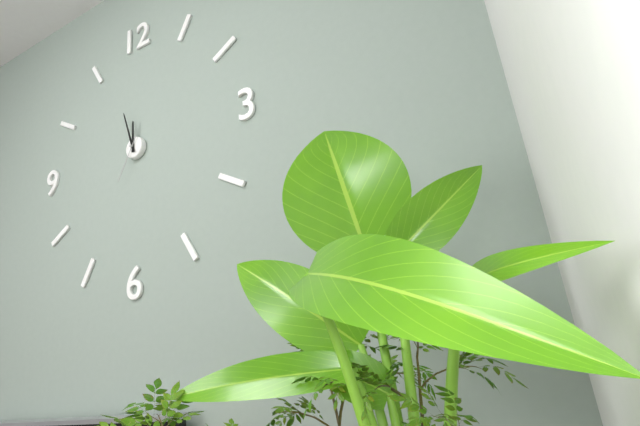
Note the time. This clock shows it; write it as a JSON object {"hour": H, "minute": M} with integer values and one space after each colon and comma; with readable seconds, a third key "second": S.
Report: {"hour": 11, "minute": 57}
